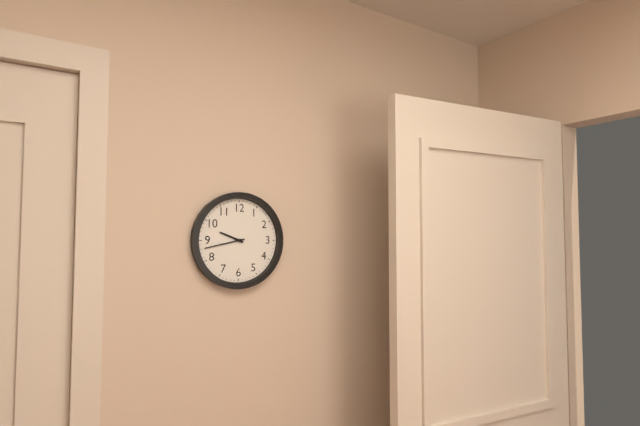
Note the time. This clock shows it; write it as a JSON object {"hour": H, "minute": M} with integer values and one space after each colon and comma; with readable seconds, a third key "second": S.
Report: {"hour": 9, "minute": 43}
